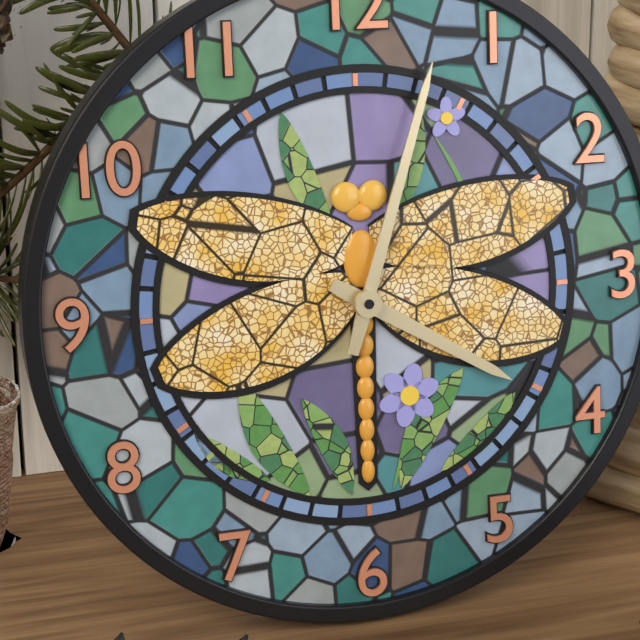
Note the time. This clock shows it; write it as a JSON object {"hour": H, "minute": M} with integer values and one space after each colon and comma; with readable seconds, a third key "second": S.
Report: {"hour": 4, "minute": 3}
